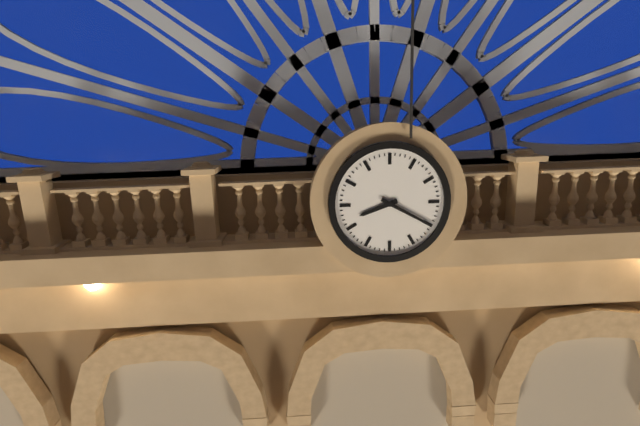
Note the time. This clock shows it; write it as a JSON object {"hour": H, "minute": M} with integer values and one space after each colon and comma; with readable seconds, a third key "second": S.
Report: {"hour": 8, "minute": 20}
